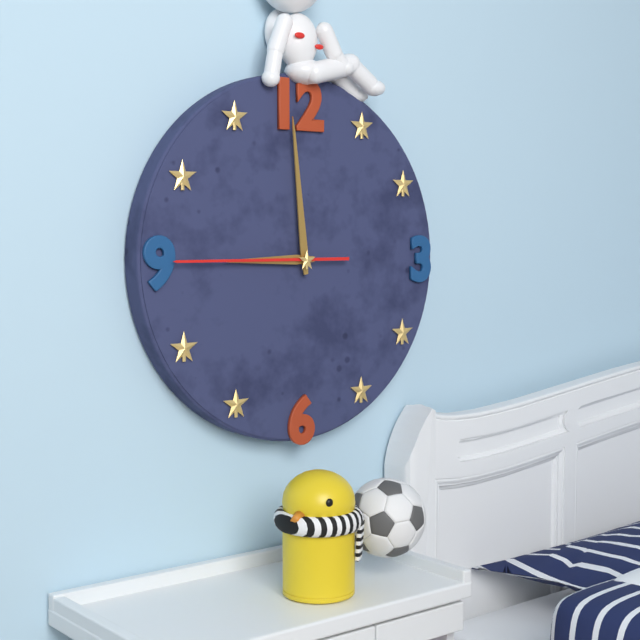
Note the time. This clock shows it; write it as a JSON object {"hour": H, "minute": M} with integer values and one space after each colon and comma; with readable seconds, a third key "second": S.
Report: {"hour": 8, "minute": 59, "second": 45}
